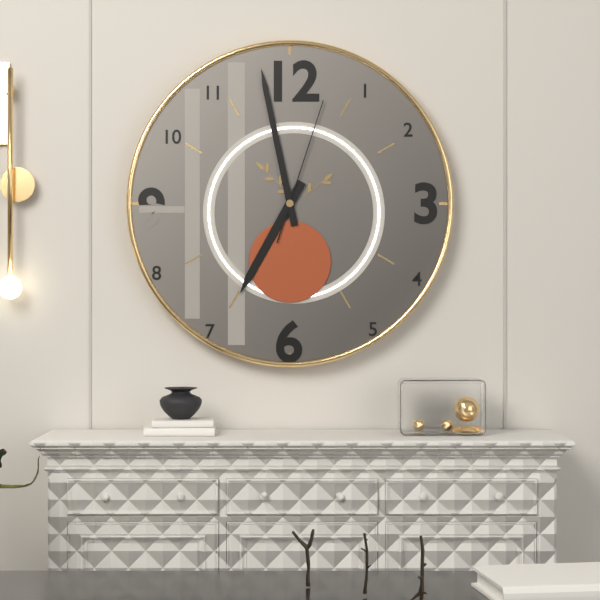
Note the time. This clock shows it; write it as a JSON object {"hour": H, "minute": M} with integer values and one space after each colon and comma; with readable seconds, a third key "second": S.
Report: {"hour": 6, "minute": 58, "second": 3}
